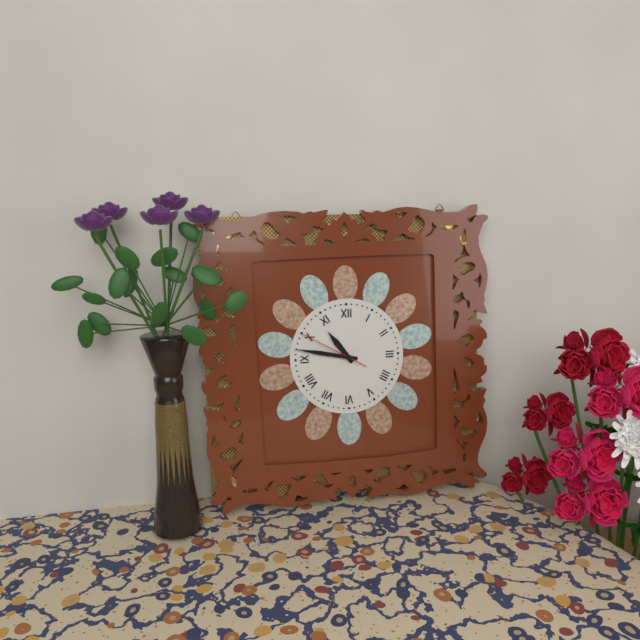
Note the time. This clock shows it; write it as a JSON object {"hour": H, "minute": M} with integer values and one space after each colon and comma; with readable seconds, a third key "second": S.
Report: {"hour": 10, "minute": 47, "second": 50}
